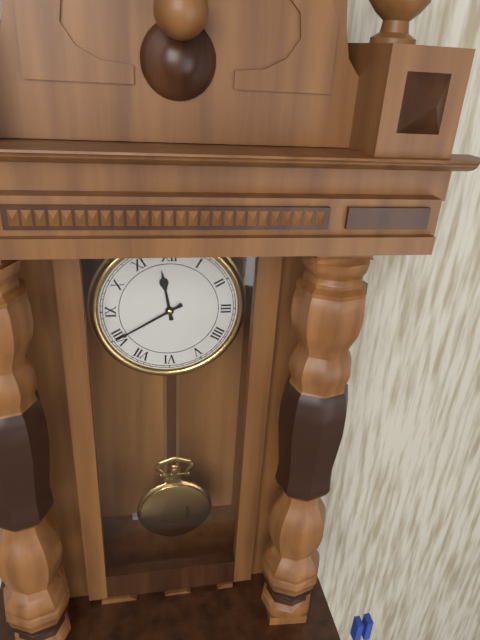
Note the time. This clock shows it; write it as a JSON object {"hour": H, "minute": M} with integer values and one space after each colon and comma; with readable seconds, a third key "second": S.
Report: {"hour": 11, "minute": 40}
